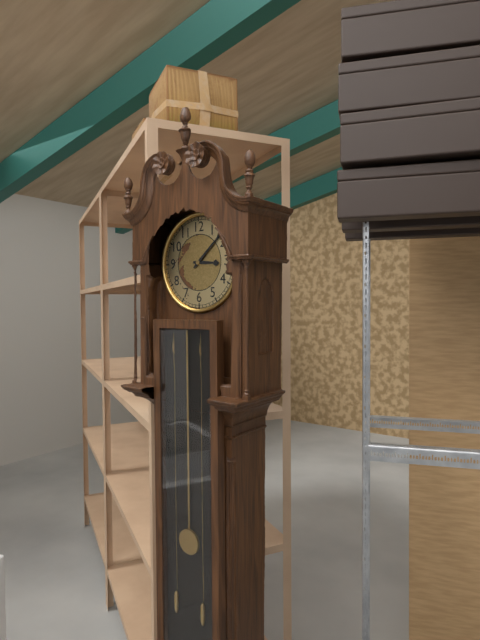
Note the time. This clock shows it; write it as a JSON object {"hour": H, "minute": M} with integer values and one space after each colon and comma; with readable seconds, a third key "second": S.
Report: {"hour": 3, "minute": 8}
